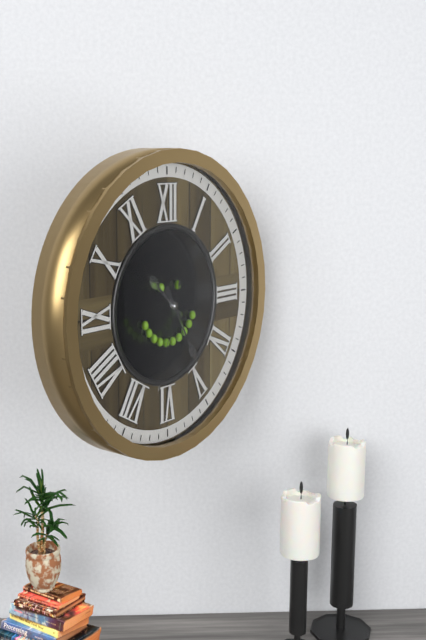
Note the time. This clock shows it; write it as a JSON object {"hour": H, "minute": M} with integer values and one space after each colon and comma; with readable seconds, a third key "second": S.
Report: {"hour": 10, "minute": 25, "second": 33}
